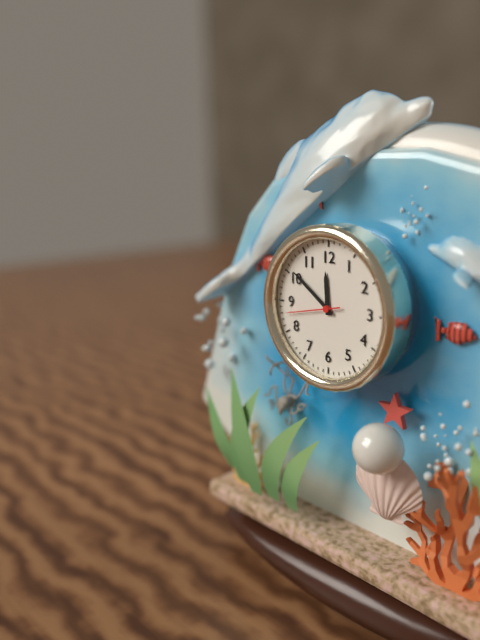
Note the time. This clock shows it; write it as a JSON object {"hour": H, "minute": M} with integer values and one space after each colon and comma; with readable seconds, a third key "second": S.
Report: {"hour": 11, "minute": 51, "second": 43}
